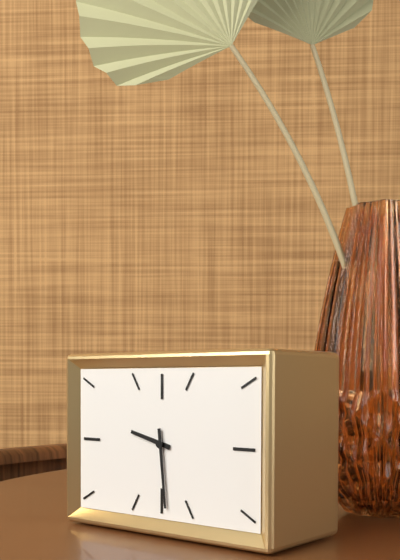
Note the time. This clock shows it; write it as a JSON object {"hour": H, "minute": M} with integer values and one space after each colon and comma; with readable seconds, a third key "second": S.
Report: {"hour": 9, "minute": 29}
